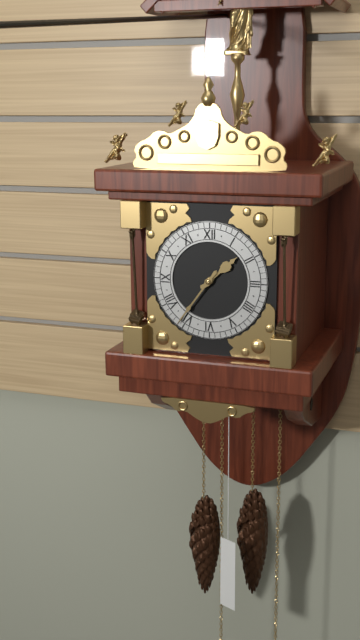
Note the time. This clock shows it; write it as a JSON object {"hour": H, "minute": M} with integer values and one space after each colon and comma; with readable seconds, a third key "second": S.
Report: {"hour": 1, "minute": 36}
